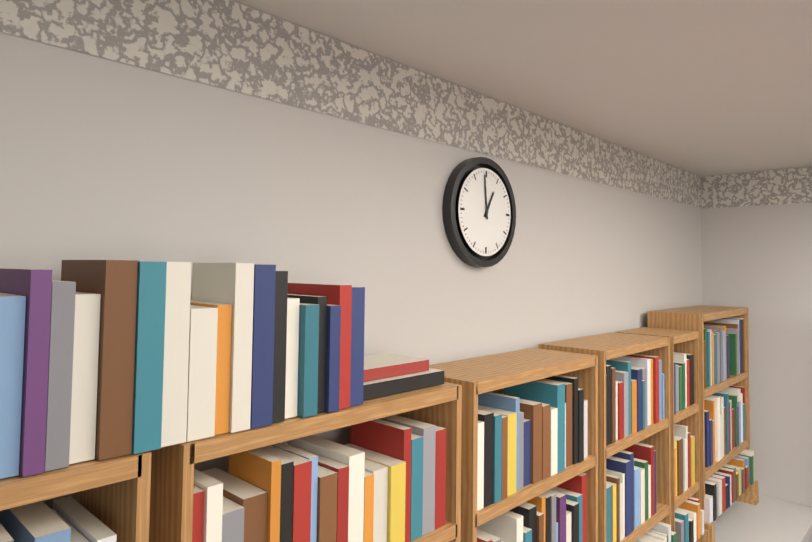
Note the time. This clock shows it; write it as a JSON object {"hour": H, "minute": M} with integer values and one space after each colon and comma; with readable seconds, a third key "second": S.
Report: {"hour": 12, "minute": 59}
